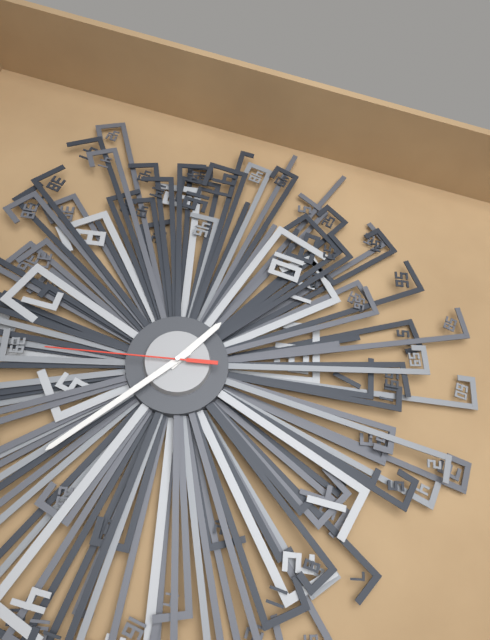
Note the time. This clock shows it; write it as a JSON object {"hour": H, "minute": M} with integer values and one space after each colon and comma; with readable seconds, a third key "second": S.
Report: {"hour": 10, "minute": 23, "second": 30}
